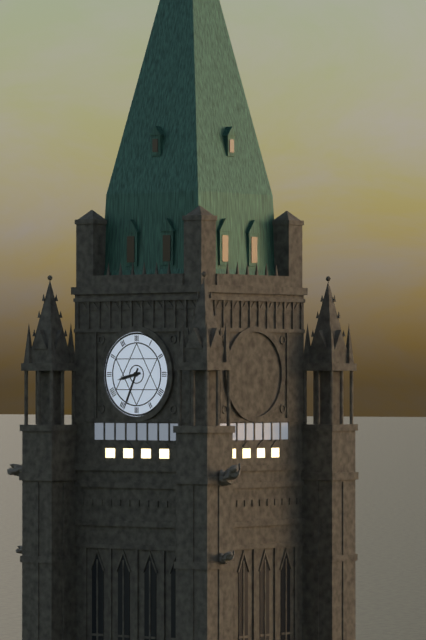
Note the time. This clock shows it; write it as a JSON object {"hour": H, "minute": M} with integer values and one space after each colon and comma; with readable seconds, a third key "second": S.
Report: {"hour": 8, "minute": 34}
